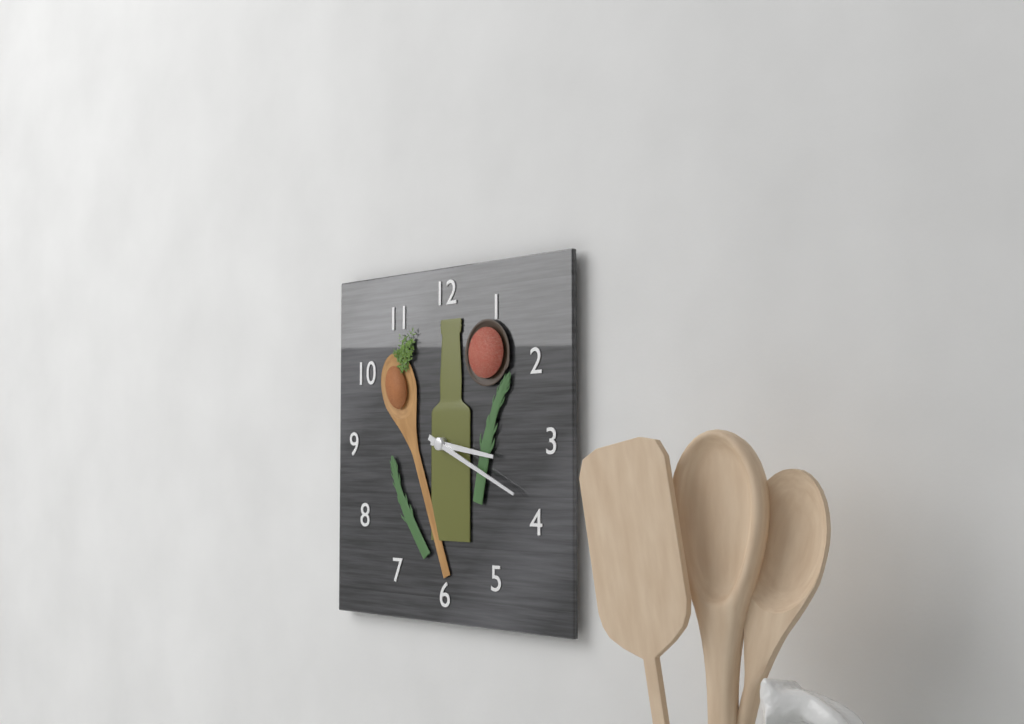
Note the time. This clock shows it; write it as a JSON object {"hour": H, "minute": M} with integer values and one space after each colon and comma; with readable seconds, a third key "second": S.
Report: {"hour": 3, "minute": 19}
